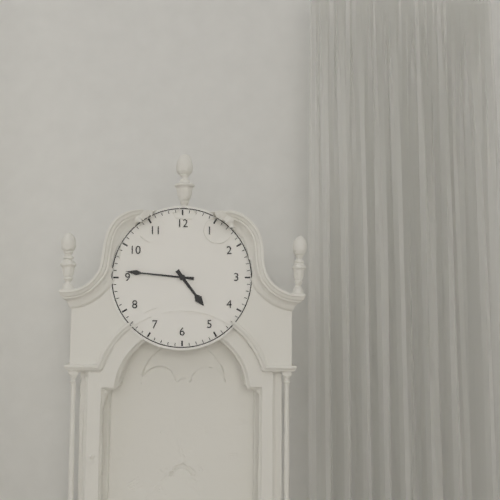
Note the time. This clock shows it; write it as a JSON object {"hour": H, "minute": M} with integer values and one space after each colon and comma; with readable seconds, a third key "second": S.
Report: {"hour": 4, "minute": 46}
